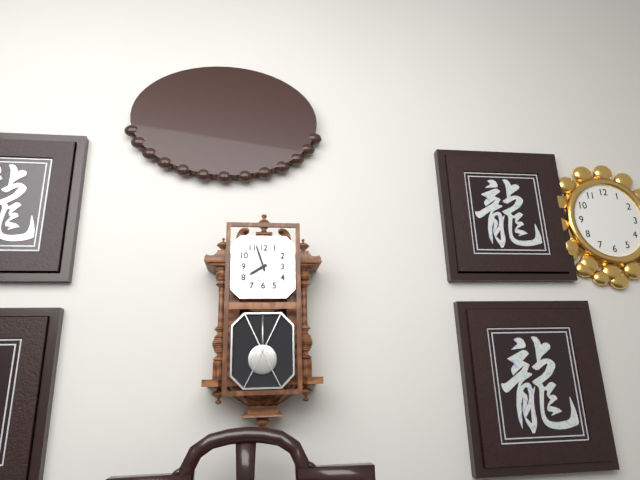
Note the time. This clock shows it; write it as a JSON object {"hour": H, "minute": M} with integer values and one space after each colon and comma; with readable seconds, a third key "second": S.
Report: {"hour": 7, "minute": 57}
